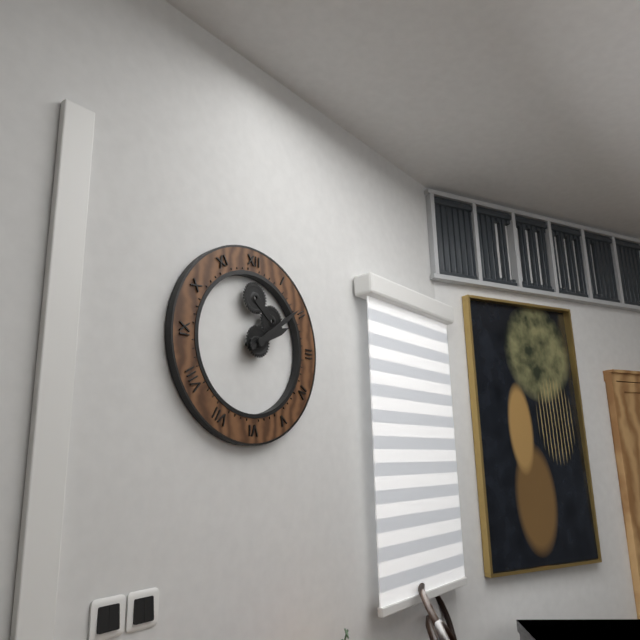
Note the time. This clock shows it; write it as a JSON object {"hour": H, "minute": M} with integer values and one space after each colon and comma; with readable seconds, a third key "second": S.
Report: {"hour": 2, "minute": 9}
